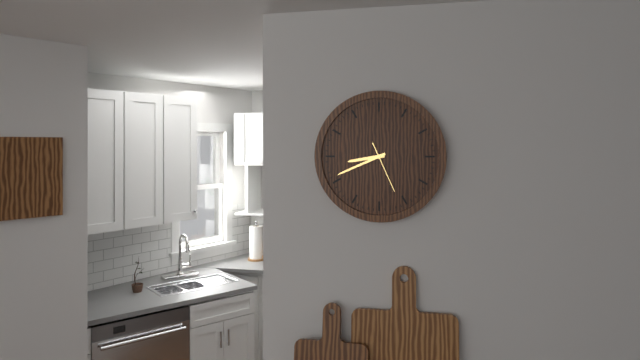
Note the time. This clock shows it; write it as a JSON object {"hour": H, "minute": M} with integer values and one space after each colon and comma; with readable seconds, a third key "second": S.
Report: {"hour": 8, "minute": 41}
